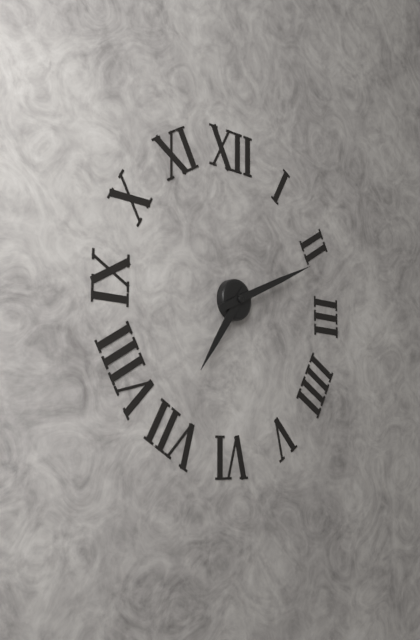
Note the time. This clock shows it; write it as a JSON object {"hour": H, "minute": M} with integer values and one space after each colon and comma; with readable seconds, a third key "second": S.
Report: {"hour": 7, "minute": 11}
